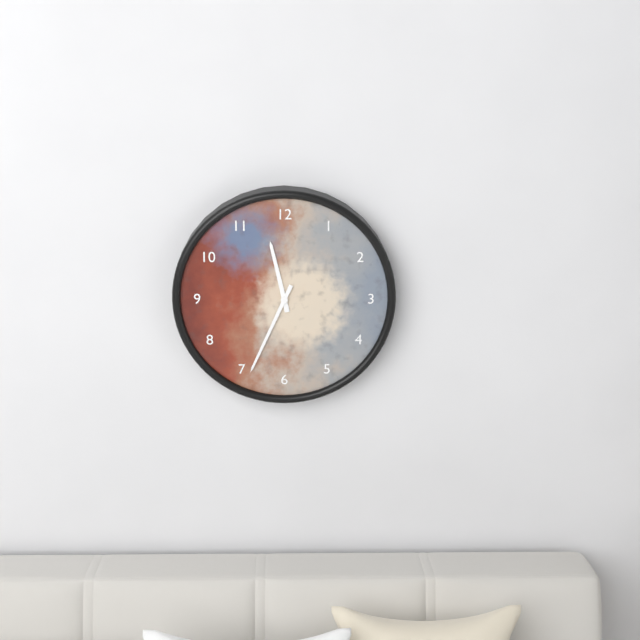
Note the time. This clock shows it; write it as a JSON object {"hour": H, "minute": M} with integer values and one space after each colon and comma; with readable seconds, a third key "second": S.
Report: {"hour": 11, "minute": 34}
